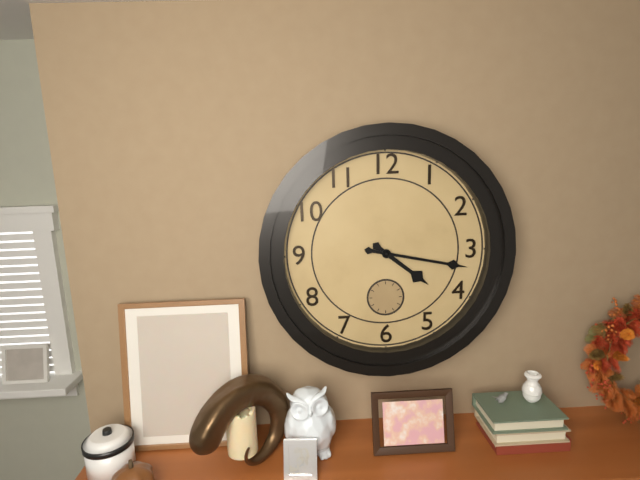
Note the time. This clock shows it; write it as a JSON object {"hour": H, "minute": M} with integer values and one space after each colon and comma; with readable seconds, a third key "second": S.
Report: {"hour": 4, "minute": 17}
